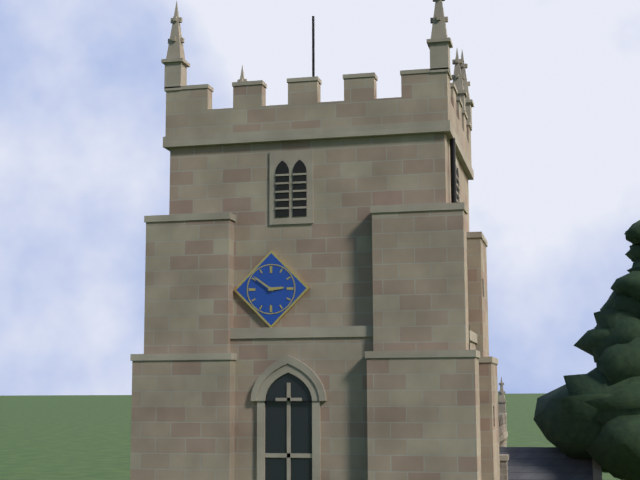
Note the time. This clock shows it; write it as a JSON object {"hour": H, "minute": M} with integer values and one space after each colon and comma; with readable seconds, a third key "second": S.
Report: {"hour": 2, "minute": 51}
